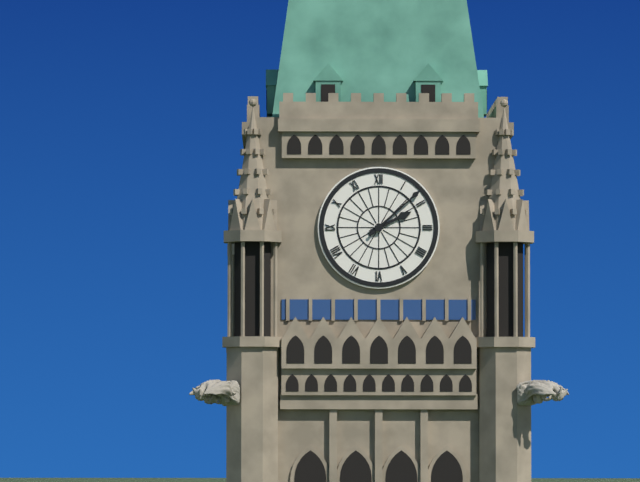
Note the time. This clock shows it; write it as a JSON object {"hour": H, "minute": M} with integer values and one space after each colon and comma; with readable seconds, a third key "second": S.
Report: {"hour": 2, "minute": 8}
